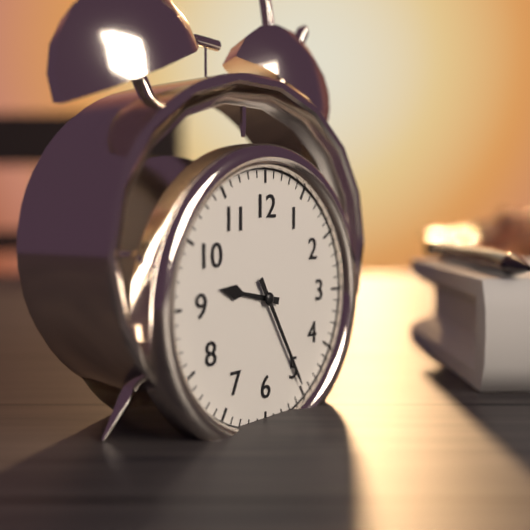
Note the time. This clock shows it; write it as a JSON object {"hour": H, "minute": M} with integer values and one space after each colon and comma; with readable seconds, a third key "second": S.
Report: {"hour": 9, "minute": 25}
